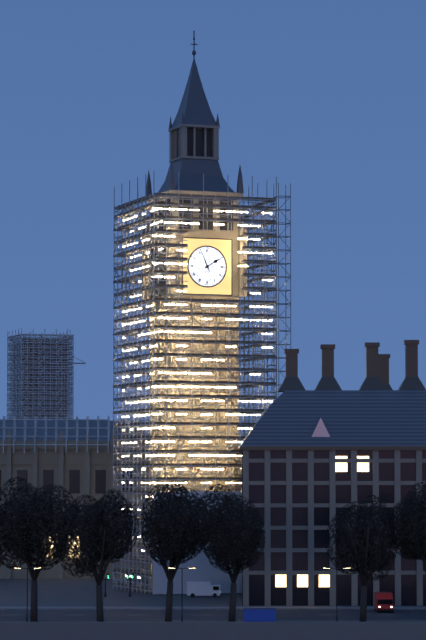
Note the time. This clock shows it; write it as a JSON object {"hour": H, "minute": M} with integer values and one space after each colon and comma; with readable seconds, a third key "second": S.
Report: {"hour": 1, "minute": 56}
